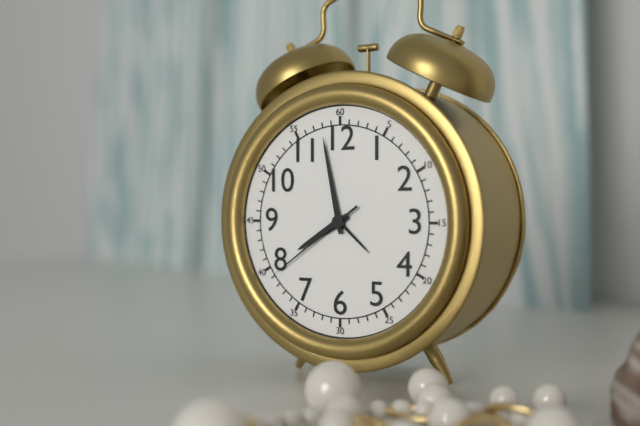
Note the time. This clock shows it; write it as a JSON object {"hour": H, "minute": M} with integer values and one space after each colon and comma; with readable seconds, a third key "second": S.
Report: {"hour": 7, "minute": 58, "second": 39}
